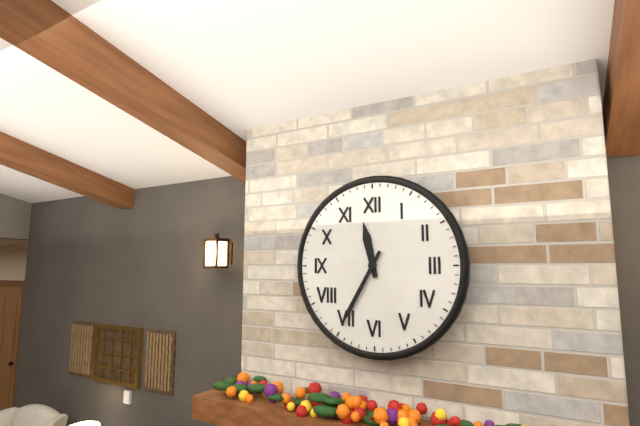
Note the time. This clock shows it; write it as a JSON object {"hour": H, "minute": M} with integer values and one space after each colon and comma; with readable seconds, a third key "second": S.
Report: {"hour": 11, "minute": 35}
